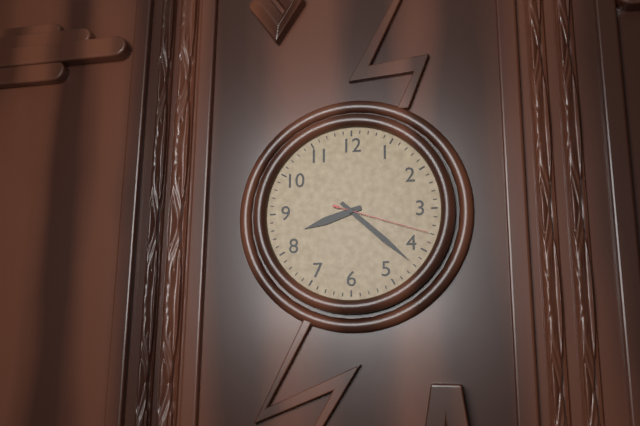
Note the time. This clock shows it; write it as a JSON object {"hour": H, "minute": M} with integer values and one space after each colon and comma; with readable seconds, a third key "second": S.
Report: {"hour": 8, "minute": 22, "second": 18}
